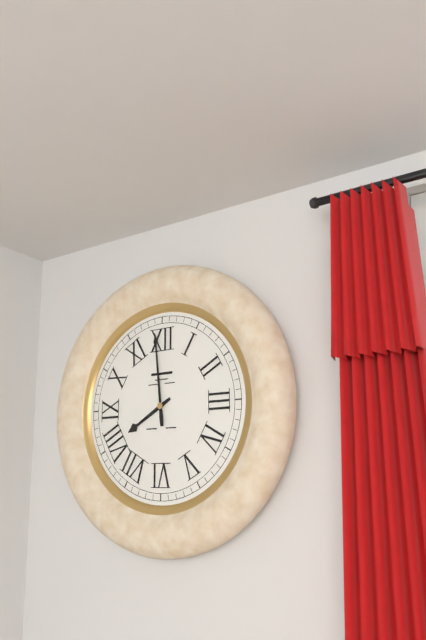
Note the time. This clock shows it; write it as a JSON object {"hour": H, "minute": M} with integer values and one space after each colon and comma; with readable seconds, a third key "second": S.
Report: {"hour": 7, "minute": 59}
